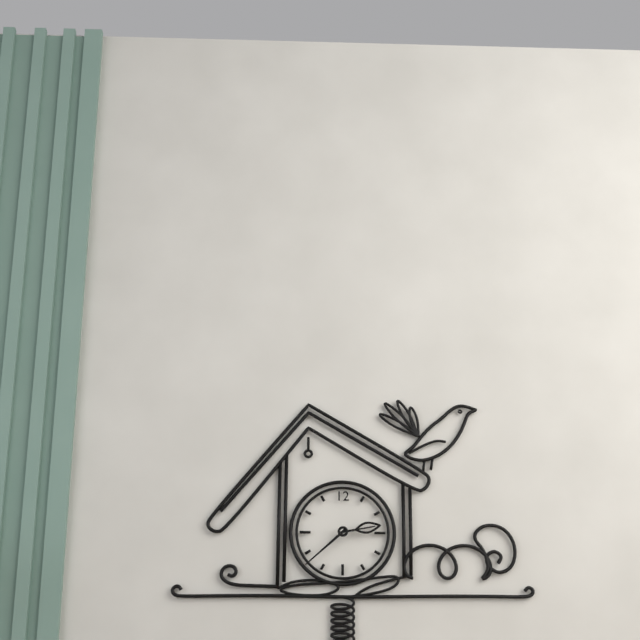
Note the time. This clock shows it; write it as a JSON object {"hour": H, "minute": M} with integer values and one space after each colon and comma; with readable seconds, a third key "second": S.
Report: {"hour": 2, "minute": 38}
